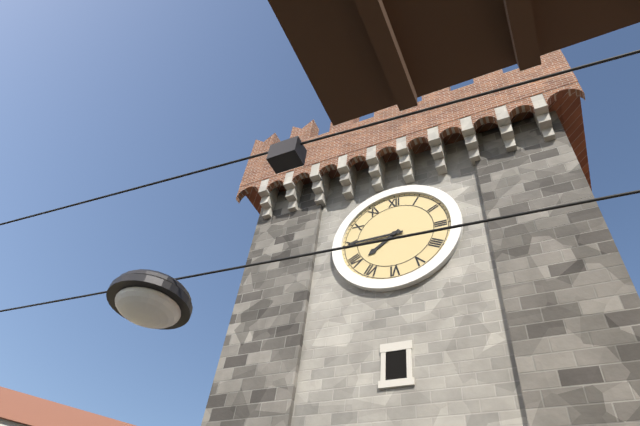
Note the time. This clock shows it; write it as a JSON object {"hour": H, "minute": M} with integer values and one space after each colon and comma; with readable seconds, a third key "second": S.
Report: {"hour": 7, "minute": 45}
